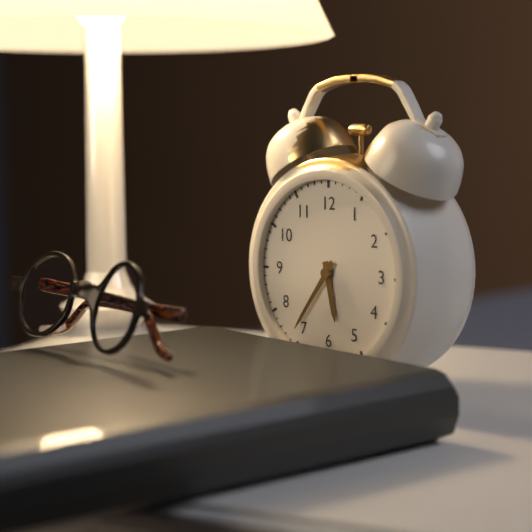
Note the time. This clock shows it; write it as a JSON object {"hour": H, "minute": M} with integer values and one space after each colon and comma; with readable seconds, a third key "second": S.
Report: {"hour": 5, "minute": 36}
